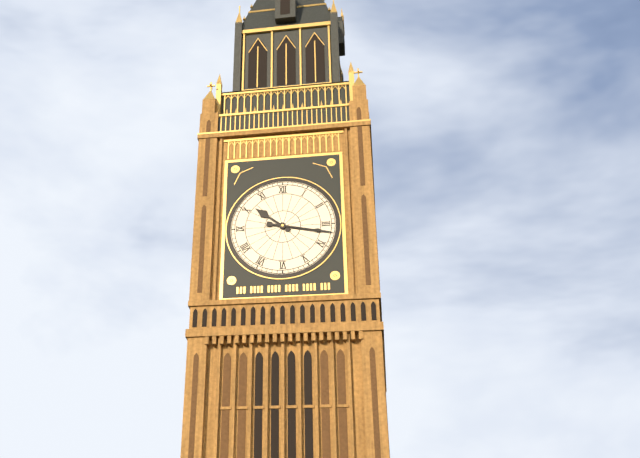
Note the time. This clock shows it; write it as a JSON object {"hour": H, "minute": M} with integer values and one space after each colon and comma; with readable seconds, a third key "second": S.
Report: {"hour": 10, "minute": 17}
